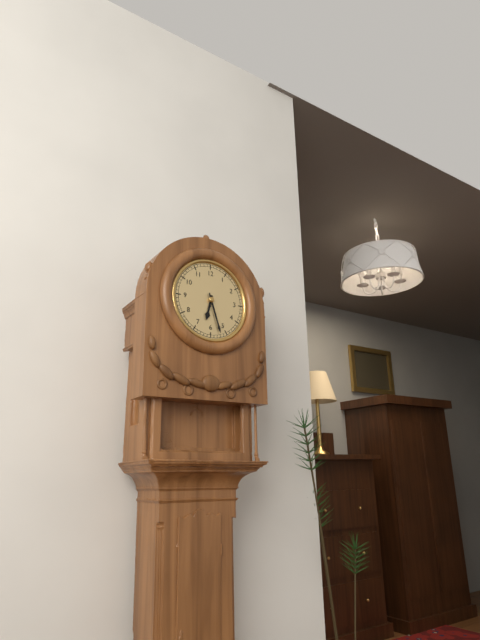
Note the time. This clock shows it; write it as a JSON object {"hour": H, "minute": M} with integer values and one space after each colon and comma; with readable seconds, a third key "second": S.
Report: {"hour": 6, "minute": 27}
